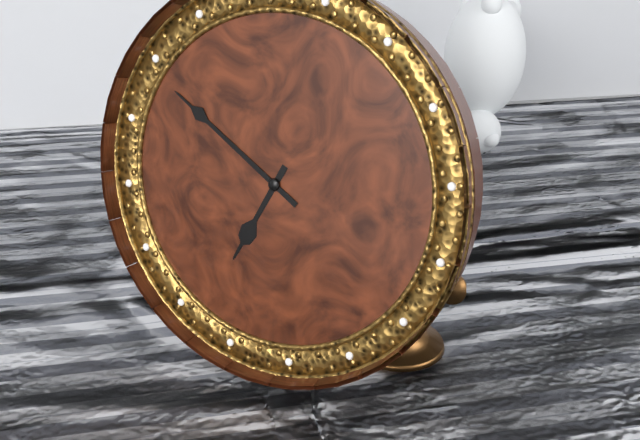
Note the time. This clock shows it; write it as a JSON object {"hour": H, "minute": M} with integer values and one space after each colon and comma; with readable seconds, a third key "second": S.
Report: {"hour": 6, "minute": 50}
